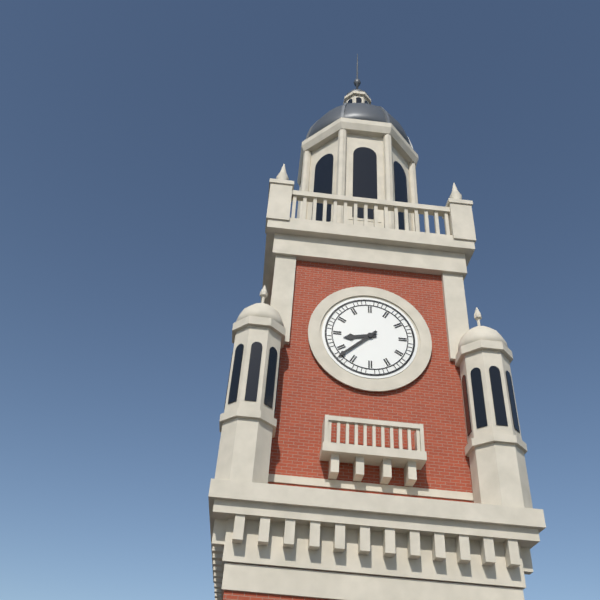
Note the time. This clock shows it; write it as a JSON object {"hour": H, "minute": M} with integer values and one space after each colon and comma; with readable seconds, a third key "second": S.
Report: {"hour": 8, "minute": 38}
